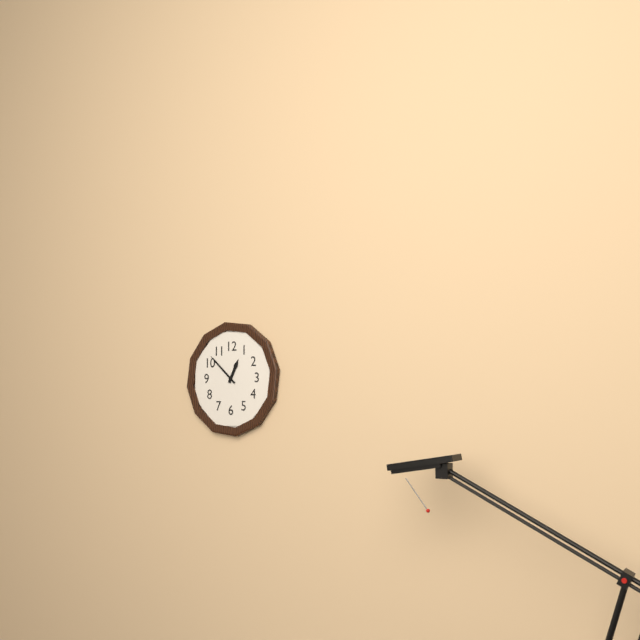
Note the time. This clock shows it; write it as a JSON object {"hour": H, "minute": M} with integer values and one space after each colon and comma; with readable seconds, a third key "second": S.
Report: {"hour": 12, "minute": 52}
